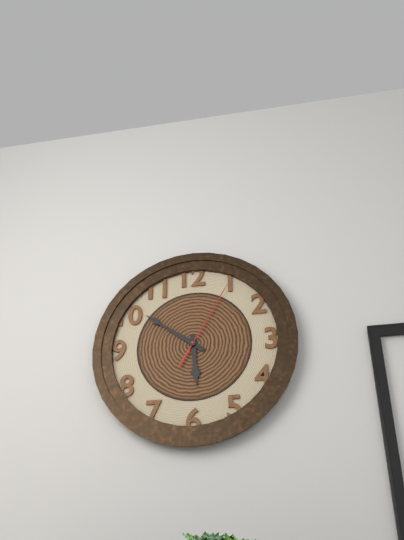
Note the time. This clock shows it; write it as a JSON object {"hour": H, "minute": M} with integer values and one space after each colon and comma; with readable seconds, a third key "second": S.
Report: {"hour": 5, "minute": 51, "second": 5}
